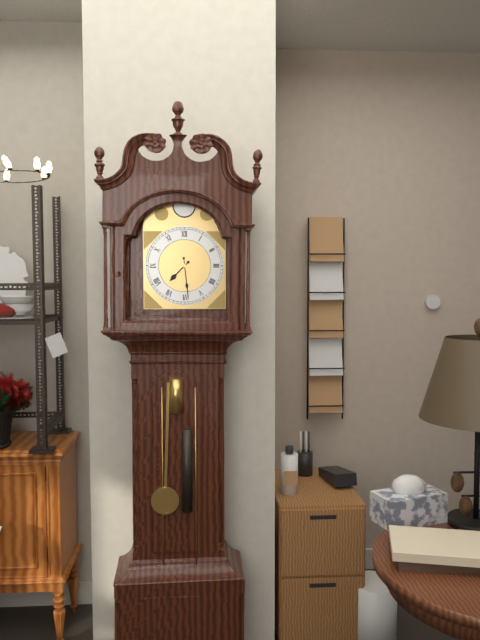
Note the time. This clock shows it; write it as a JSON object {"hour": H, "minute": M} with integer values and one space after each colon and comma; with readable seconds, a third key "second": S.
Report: {"hour": 7, "minute": 29}
